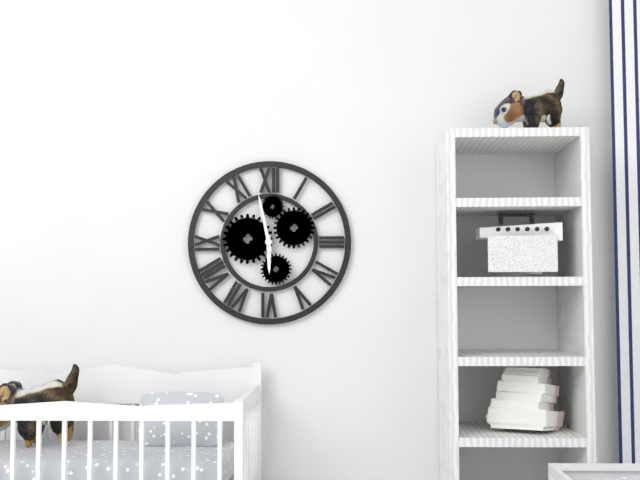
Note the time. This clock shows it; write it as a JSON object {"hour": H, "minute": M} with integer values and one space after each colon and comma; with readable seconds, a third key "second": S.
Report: {"hour": 5, "minute": 58}
